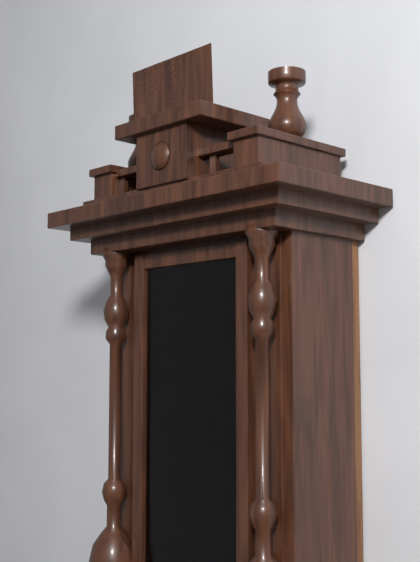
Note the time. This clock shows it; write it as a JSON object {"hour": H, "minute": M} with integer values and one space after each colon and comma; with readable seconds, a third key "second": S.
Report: {"hour": 4, "minute": 19}
